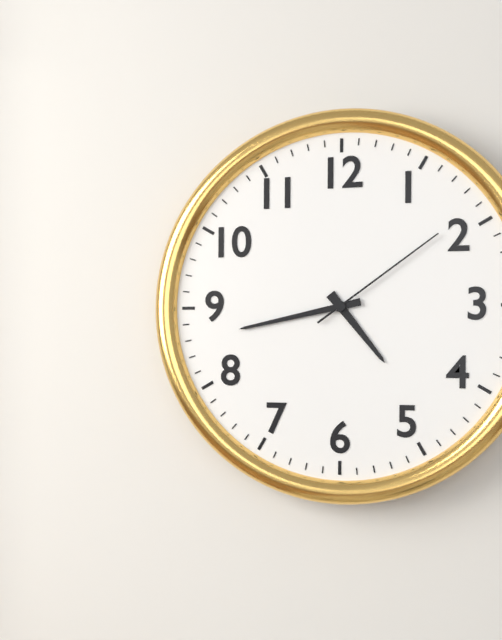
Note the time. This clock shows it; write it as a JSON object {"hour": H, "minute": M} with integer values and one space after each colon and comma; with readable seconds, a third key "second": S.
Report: {"hour": 4, "minute": 43, "second": 9}
